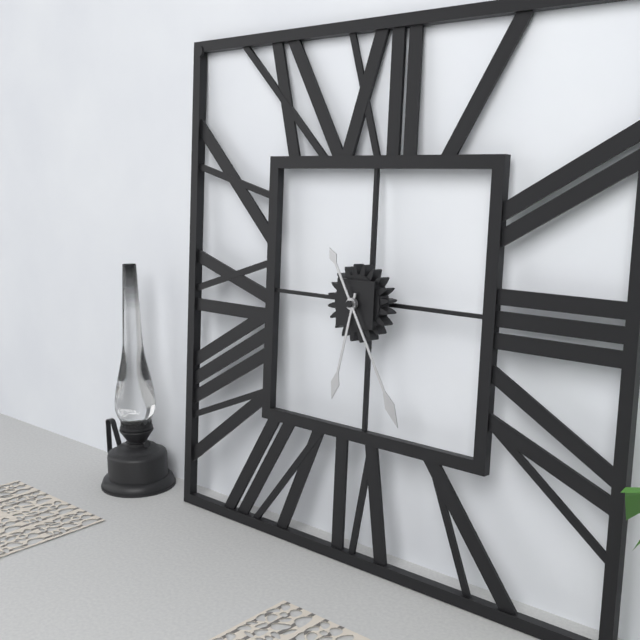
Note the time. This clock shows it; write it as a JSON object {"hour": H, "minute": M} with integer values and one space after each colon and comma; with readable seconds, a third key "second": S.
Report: {"hour": 6, "minute": 25}
